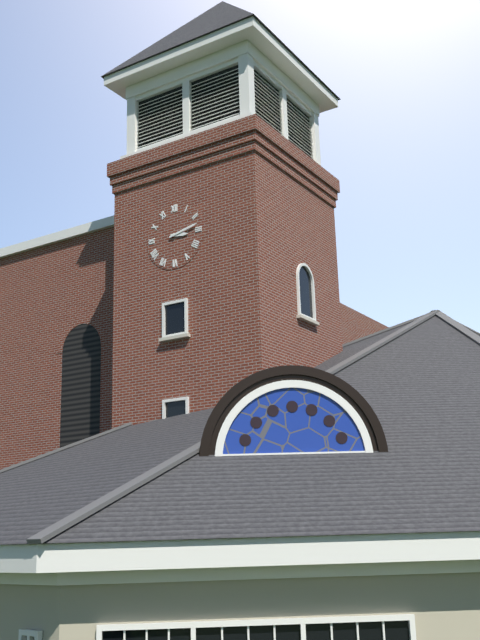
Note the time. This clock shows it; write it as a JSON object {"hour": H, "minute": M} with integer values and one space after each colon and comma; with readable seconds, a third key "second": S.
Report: {"hour": 3, "minute": 13}
